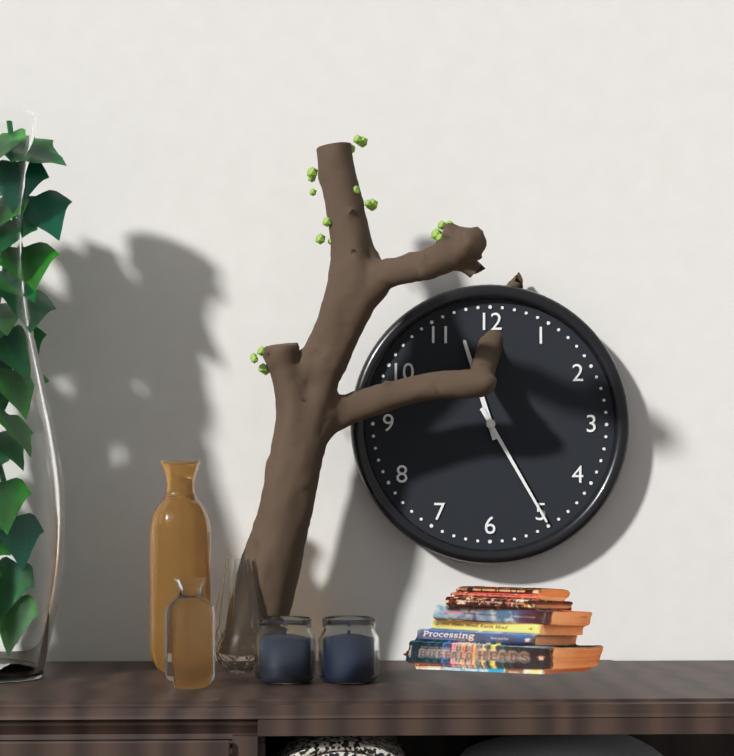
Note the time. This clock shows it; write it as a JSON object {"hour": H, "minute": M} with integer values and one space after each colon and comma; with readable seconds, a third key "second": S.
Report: {"hour": 11, "minute": 25}
